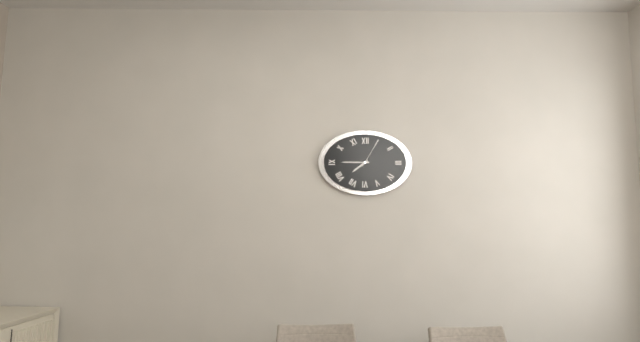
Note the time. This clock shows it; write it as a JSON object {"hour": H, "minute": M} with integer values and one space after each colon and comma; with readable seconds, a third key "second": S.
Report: {"hour": 7, "minute": 45}
